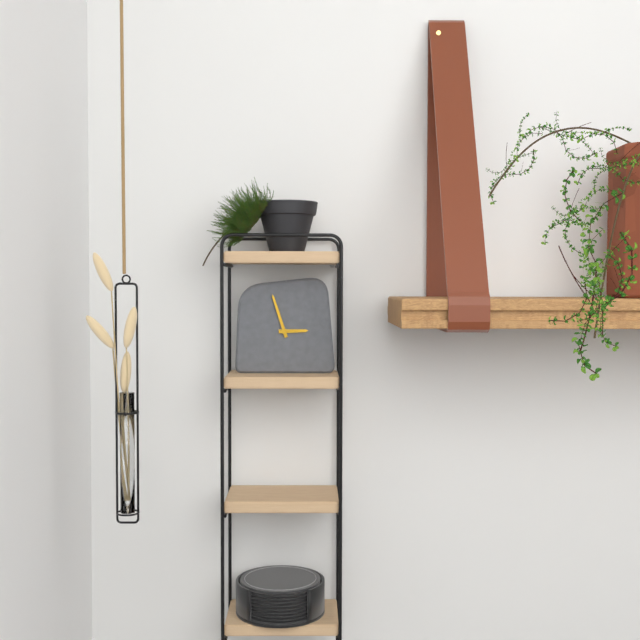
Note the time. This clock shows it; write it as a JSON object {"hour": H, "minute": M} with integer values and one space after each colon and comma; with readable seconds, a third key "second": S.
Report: {"hour": 2, "minute": 57}
